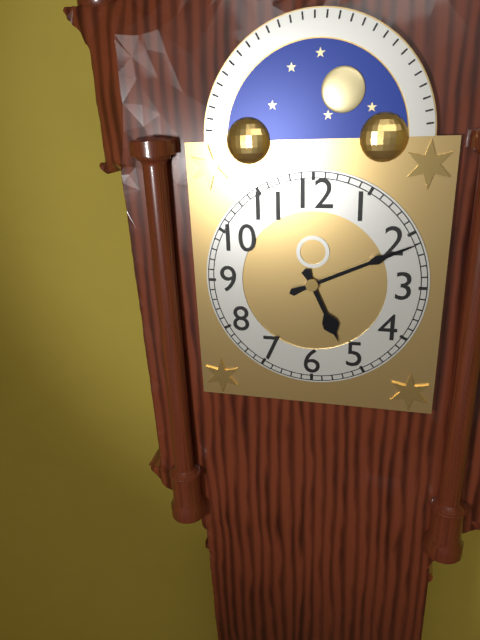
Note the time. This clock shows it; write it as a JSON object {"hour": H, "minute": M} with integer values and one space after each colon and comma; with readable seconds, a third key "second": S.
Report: {"hour": 5, "minute": 11}
